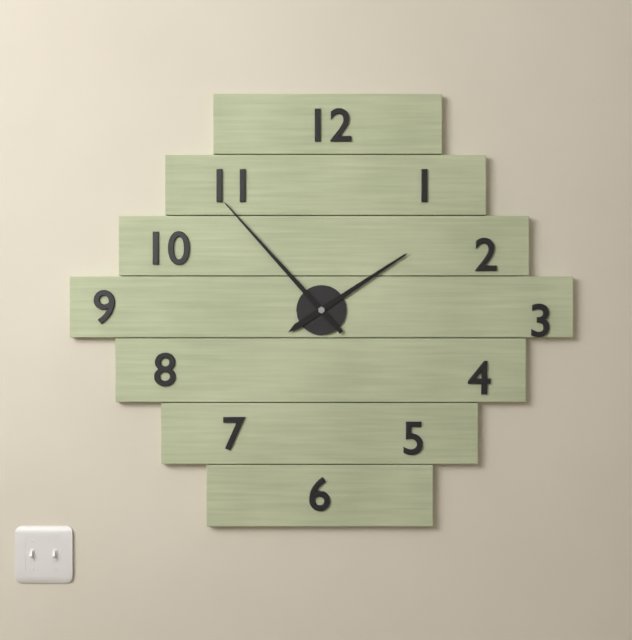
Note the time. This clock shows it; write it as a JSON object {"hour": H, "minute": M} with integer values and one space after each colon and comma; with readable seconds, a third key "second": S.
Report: {"hour": 1, "minute": 53}
